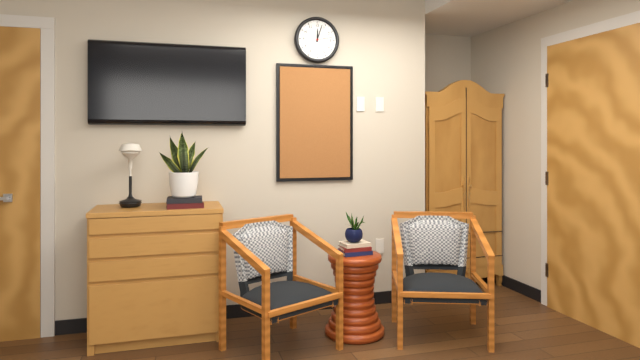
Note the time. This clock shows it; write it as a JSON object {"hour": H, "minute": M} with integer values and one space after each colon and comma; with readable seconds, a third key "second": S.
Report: {"hour": 12, "minute": 3}
